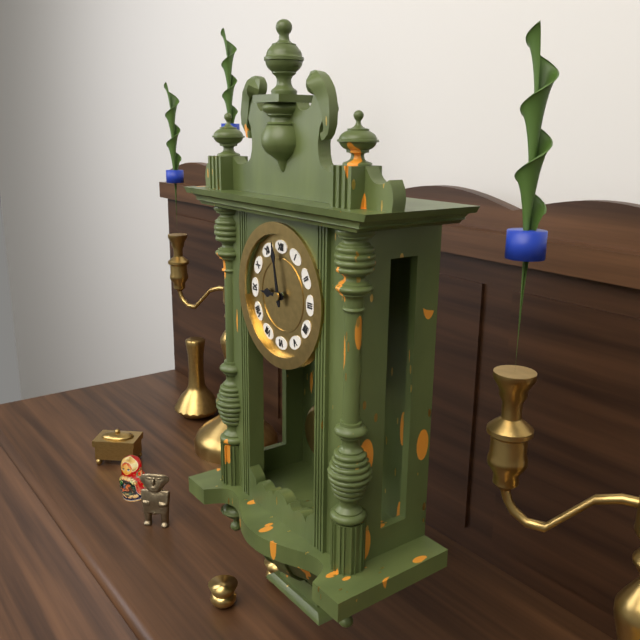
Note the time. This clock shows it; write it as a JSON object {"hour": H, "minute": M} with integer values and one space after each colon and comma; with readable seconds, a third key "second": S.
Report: {"hour": 8, "minute": 58}
